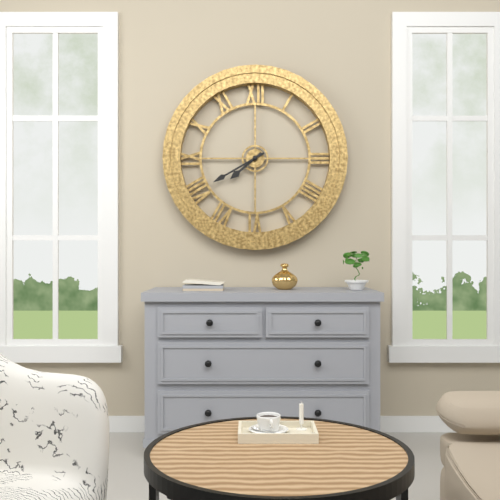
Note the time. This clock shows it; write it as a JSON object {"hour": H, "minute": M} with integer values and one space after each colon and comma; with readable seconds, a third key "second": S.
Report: {"hour": 7, "minute": 40}
